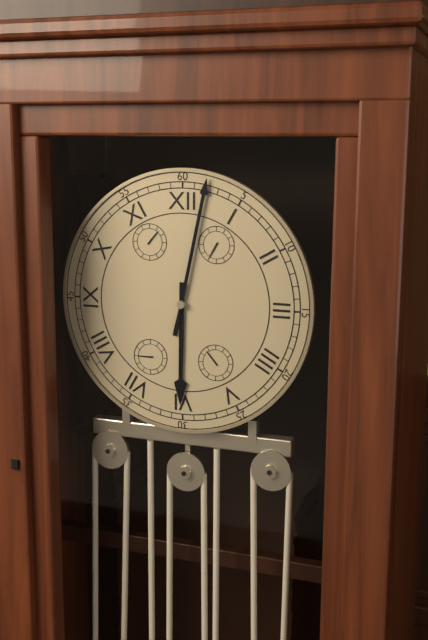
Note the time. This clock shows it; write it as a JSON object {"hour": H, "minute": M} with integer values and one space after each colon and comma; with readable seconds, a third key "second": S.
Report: {"hour": 6, "minute": 2}
